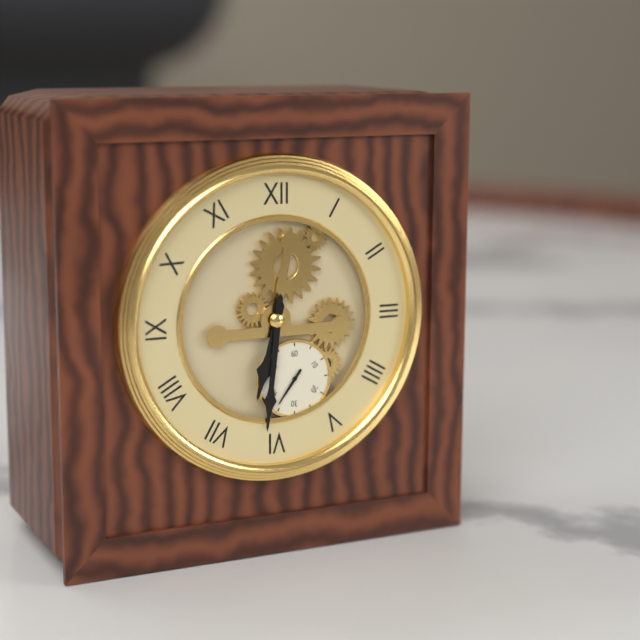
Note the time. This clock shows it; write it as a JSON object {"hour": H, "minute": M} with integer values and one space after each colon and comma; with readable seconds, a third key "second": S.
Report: {"hour": 6, "minute": 31}
